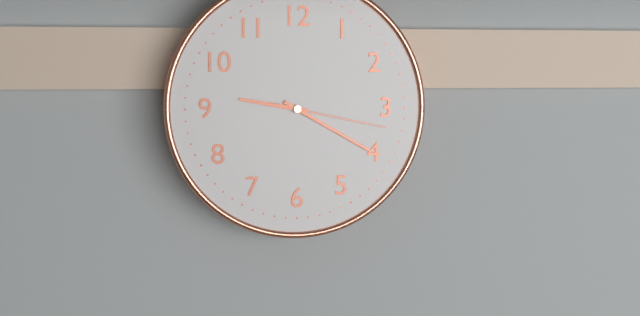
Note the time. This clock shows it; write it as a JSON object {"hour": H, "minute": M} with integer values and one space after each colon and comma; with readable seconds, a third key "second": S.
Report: {"hour": 9, "minute": 20, "second": 17}
